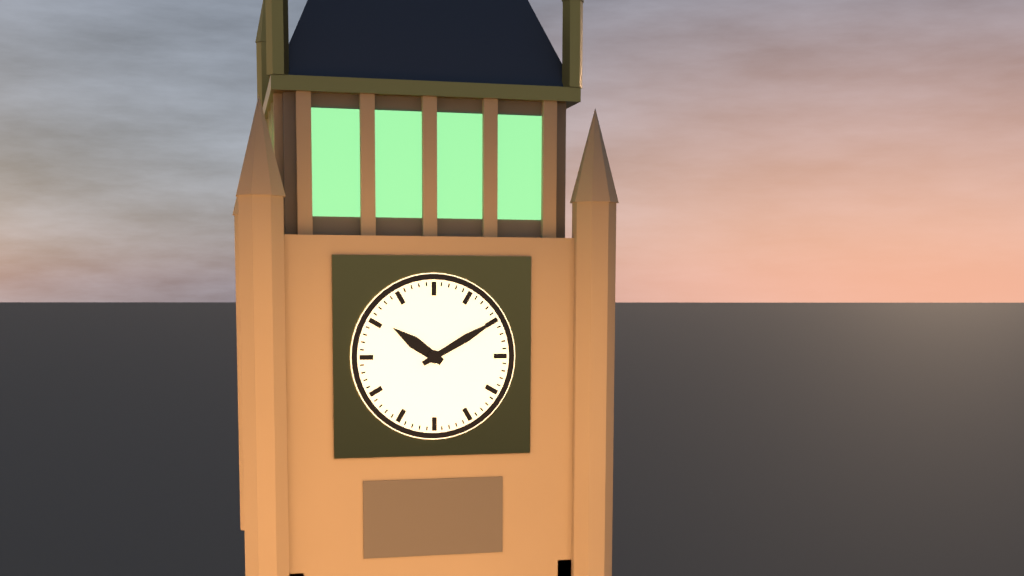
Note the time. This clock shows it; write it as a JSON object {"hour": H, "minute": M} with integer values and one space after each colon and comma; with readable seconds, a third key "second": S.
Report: {"hour": 10, "minute": 10}
